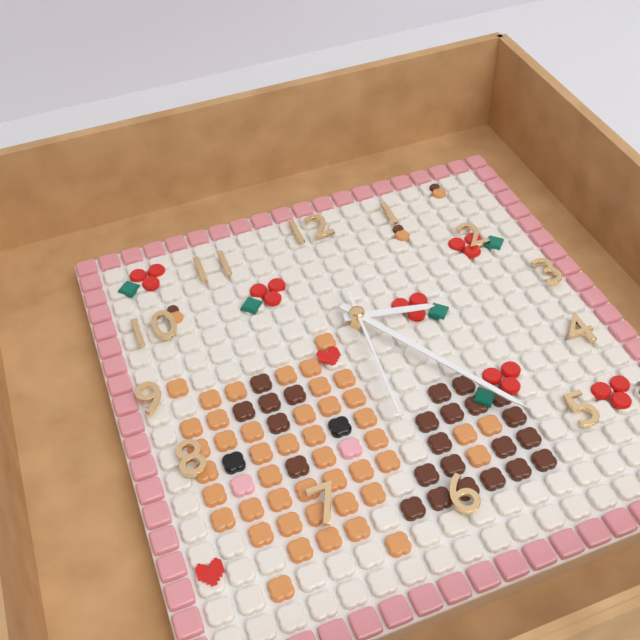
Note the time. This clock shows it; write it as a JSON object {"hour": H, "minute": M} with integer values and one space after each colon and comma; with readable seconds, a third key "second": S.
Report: {"hour": 3, "minute": 25, "second": 31}
